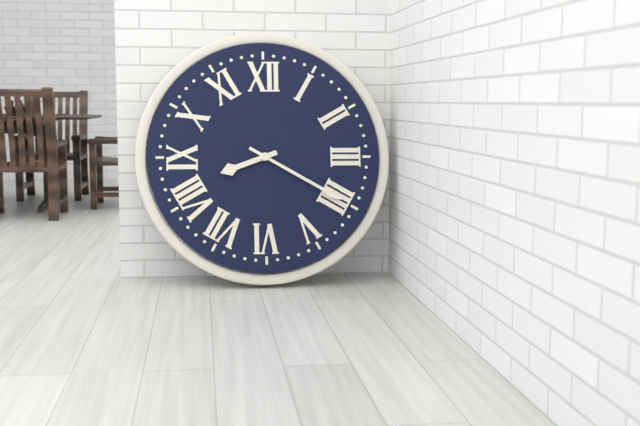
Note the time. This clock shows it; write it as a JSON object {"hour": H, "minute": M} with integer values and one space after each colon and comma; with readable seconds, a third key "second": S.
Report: {"hour": 8, "minute": 20}
